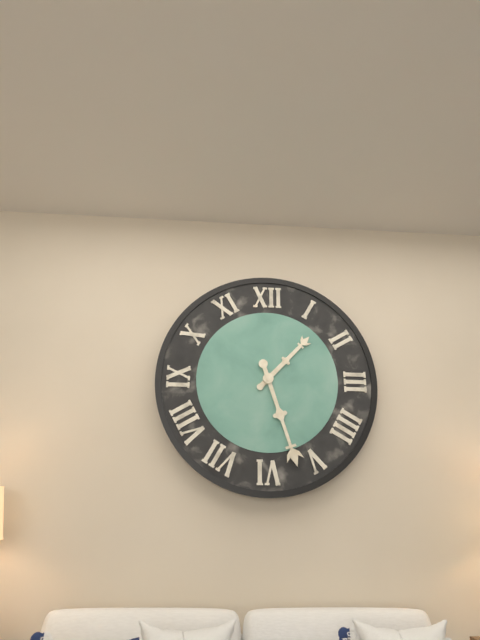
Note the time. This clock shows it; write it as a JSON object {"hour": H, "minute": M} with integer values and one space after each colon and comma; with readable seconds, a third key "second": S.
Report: {"hour": 1, "minute": 27}
